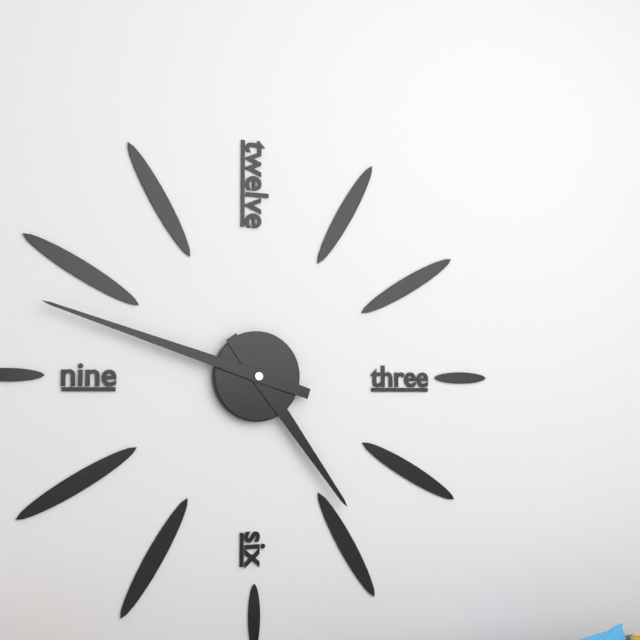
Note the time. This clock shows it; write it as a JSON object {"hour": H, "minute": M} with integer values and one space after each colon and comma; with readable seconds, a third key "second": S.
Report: {"hour": 4, "minute": 48}
